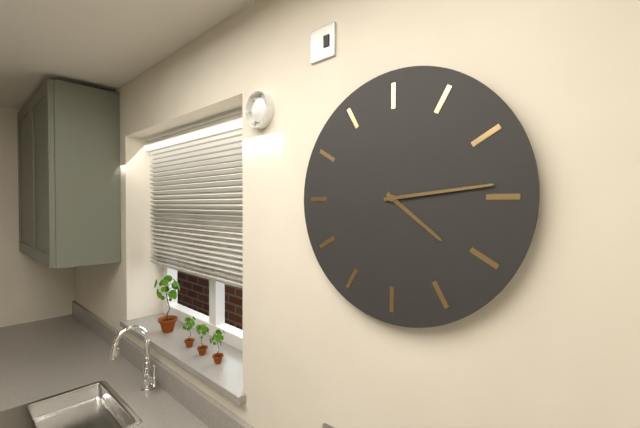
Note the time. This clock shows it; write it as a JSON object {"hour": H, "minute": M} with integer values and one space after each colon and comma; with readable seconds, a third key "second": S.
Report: {"hour": 4, "minute": 14}
